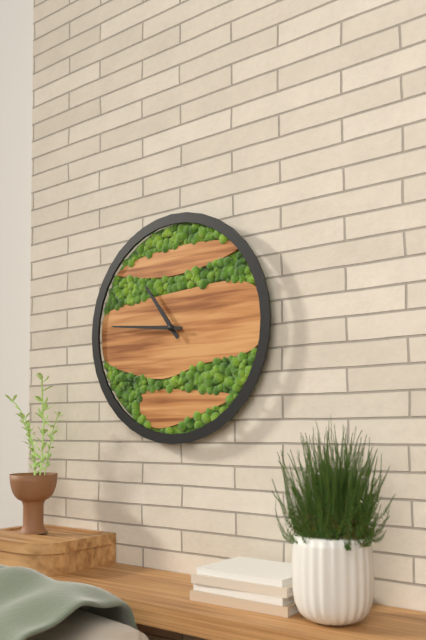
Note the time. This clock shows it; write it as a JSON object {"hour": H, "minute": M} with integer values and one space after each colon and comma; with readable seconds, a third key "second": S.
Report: {"hour": 10, "minute": 46}
